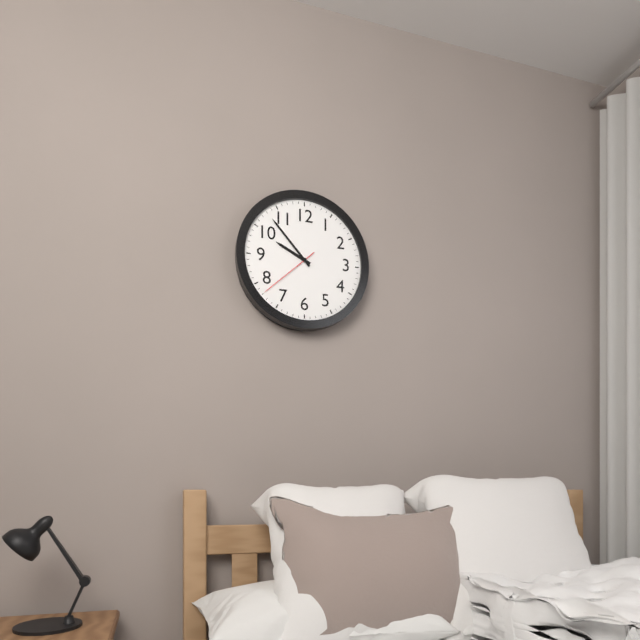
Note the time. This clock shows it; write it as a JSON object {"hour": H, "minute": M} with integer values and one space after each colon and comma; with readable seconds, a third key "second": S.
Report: {"hour": 9, "minute": 53, "second": 38}
